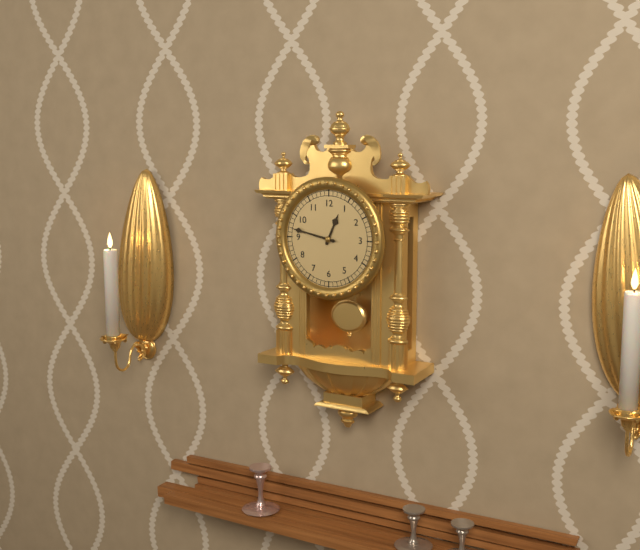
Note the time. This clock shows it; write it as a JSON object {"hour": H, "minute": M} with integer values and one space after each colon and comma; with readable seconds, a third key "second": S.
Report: {"hour": 12, "minute": 47}
